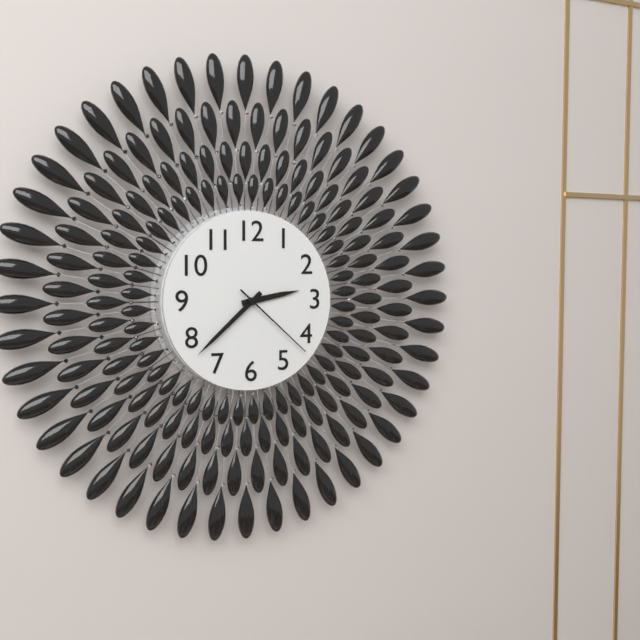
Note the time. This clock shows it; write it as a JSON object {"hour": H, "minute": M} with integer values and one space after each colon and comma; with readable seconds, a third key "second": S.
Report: {"hour": 2, "minute": 38, "second": 22}
